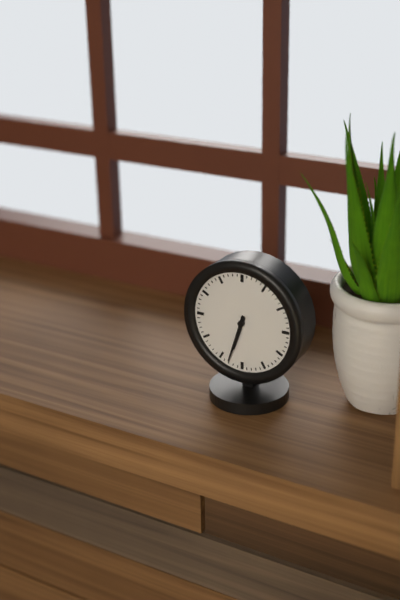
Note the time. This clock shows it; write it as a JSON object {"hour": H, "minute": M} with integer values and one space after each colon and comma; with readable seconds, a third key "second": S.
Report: {"hour": 6, "minute": 33}
